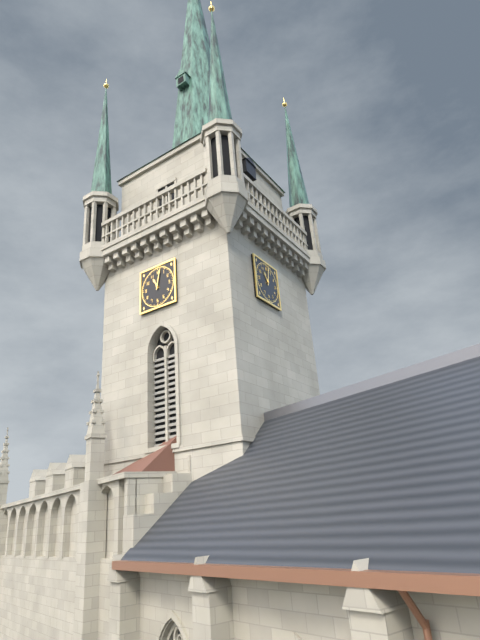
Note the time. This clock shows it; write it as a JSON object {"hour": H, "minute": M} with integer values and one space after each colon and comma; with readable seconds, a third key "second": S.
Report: {"hour": 11, "minute": 2}
